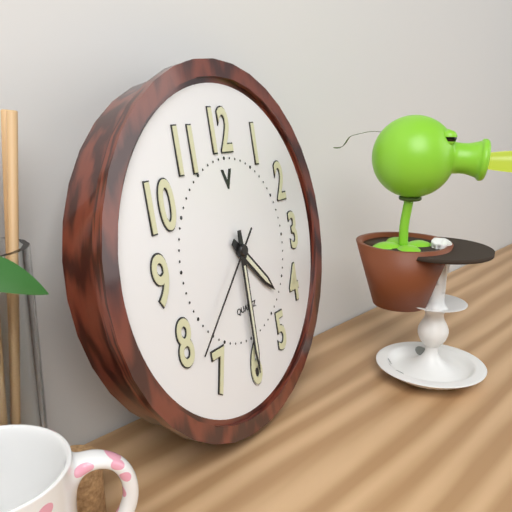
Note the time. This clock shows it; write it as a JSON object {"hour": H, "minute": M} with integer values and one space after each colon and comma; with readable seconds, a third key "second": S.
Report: {"hour": 4, "minute": 30, "second": 38}
